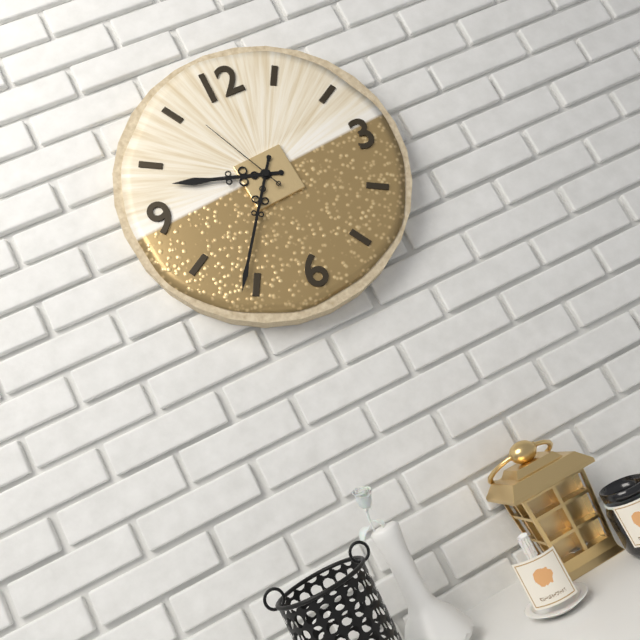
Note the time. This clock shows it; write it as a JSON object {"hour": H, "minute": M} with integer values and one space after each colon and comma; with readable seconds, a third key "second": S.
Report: {"hour": 9, "minute": 36, "second": 56}
